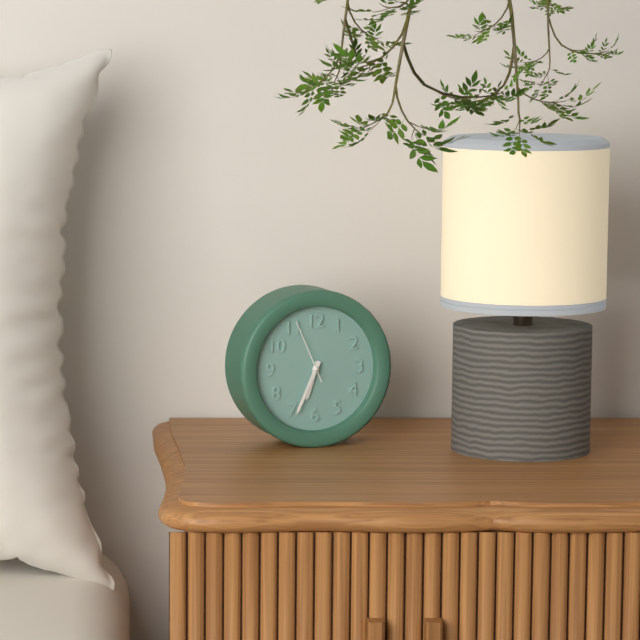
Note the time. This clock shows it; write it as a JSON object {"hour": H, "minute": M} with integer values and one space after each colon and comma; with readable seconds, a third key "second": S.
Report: {"hour": 6, "minute": 34, "second": 56}
